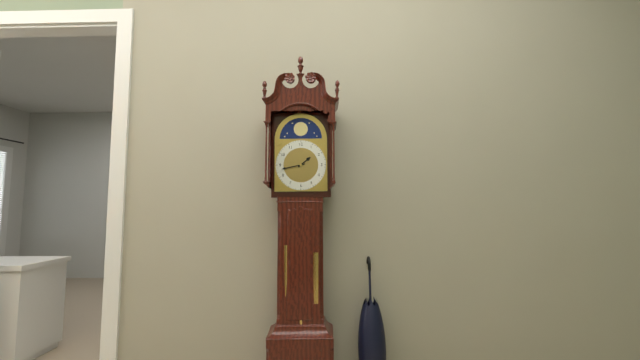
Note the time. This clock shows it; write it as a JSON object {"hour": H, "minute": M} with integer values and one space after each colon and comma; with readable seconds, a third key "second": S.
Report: {"hour": 1, "minute": 43}
